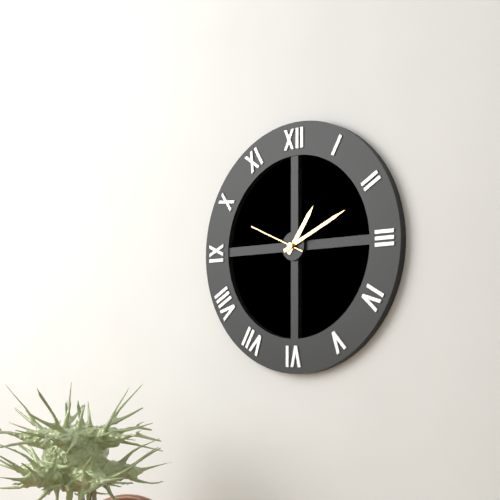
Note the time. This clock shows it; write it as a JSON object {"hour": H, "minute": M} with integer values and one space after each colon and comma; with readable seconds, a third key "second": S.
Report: {"hour": 1, "minute": 11, "second": 49}
